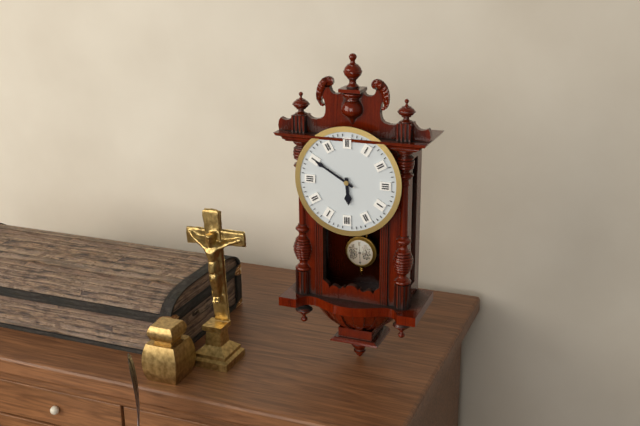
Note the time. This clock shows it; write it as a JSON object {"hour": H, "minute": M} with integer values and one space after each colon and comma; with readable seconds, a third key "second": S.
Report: {"hour": 5, "minute": 50}
